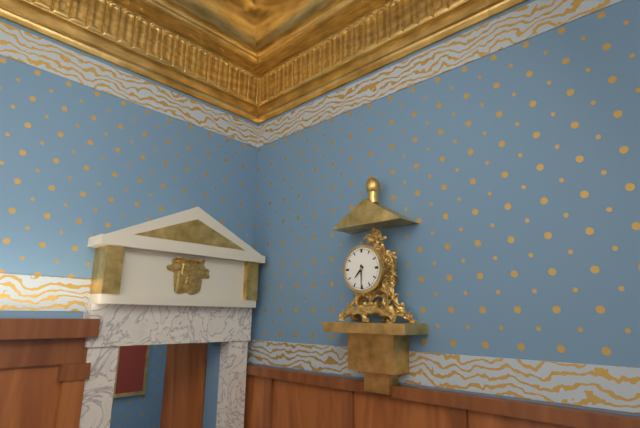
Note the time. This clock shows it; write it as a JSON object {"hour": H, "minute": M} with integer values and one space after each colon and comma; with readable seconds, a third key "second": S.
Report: {"hour": 7, "minute": 30}
